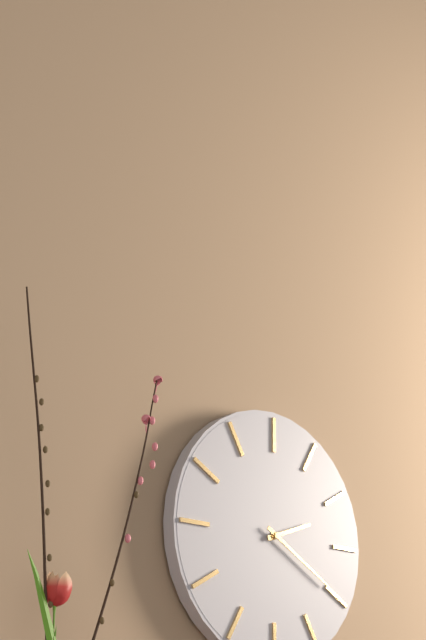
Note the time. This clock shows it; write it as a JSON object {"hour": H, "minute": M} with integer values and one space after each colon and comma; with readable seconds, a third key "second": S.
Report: {"hour": 2, "minute": 20}
